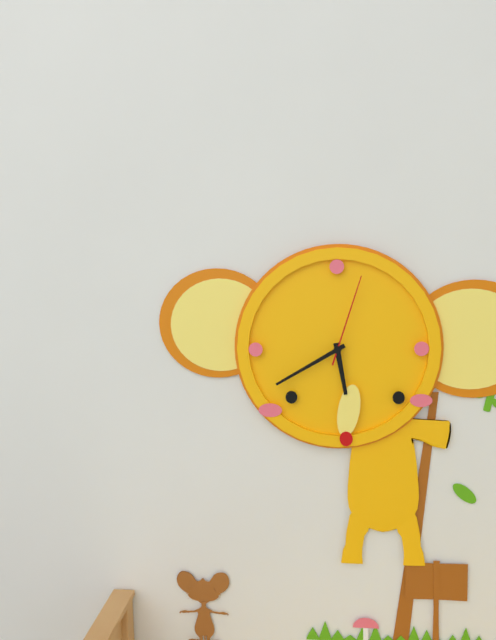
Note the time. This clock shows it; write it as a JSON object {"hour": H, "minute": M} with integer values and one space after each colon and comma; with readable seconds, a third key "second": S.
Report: {"hour": 5, "minute": 40, "second": 3}
